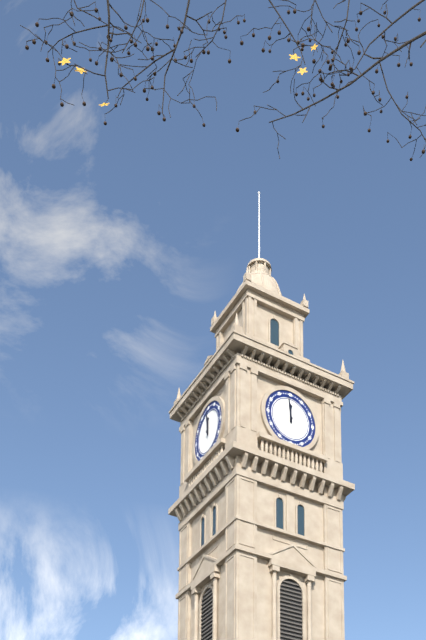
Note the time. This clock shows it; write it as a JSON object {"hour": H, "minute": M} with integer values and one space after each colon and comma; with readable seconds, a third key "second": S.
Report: {"hour": 11, "minute": 59}
